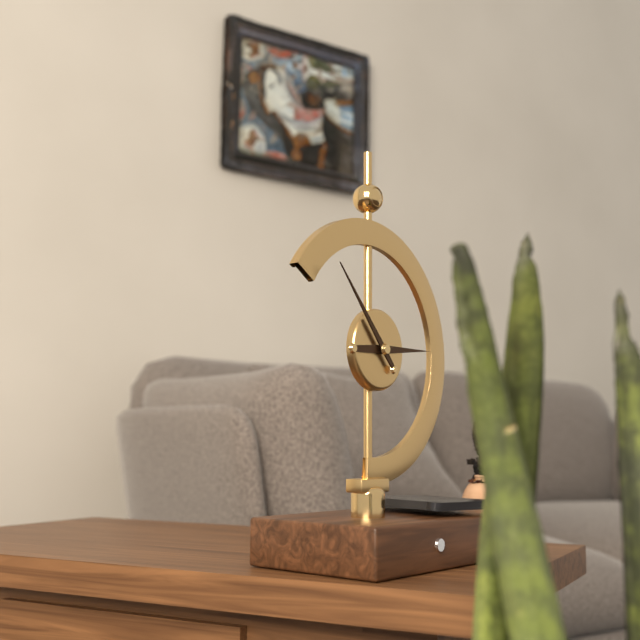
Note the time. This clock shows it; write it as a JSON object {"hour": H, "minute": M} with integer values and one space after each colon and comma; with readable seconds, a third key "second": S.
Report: {"hour": 2, "minute": 53}
